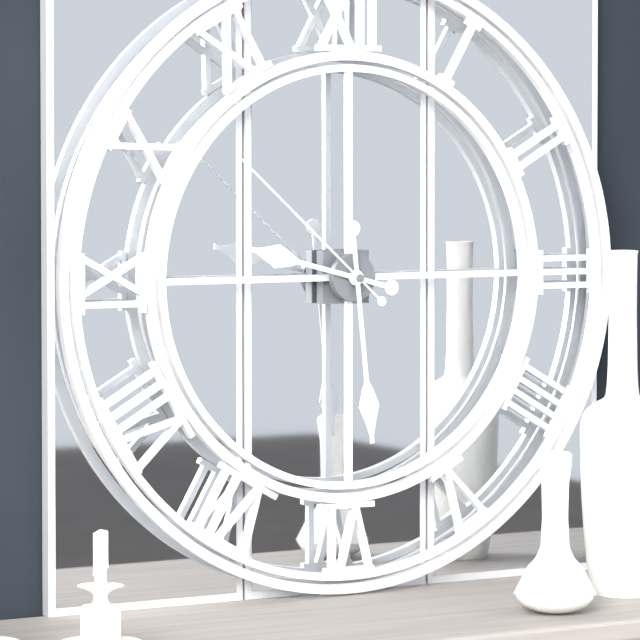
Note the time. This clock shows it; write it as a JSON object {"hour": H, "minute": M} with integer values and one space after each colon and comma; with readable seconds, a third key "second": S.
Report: {"hour": 9, "minute": 29, "second": 52}
